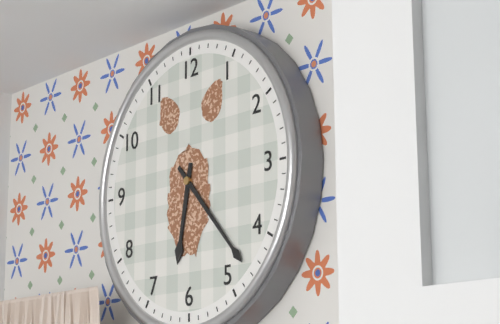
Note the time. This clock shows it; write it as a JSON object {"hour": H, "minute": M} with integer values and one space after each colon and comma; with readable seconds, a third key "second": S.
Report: {"hour": 6, "minute": 23}
